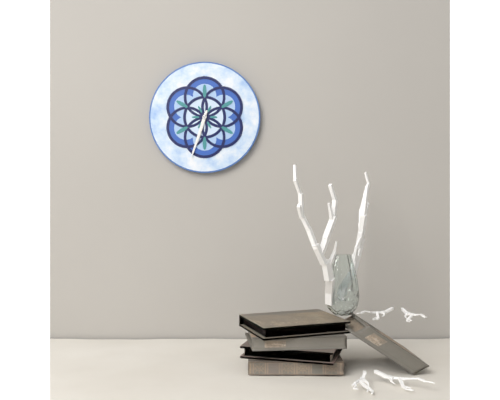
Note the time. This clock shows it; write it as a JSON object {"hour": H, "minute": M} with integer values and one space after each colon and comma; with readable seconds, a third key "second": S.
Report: {"hour": 6, "minute": 33}
